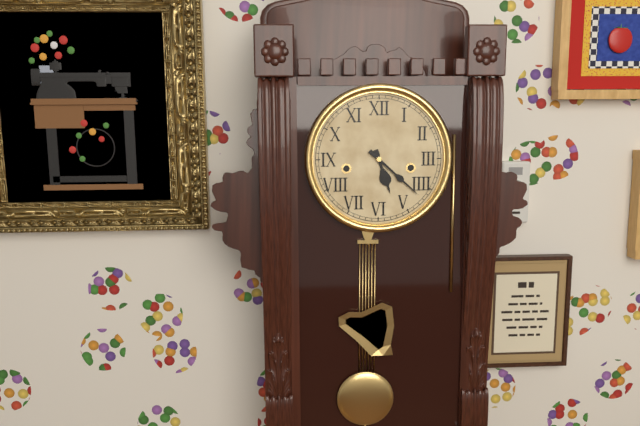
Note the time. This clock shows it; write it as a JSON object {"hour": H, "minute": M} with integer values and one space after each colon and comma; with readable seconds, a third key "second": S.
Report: {"hour": 5, "minute": 22}
